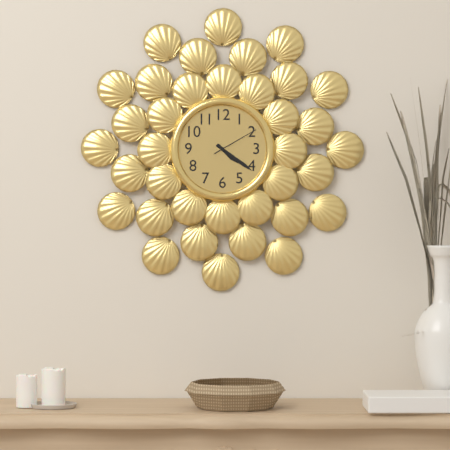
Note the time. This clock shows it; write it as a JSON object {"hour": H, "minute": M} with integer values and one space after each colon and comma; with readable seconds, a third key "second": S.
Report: {"hour": 4, "minute": 21}
